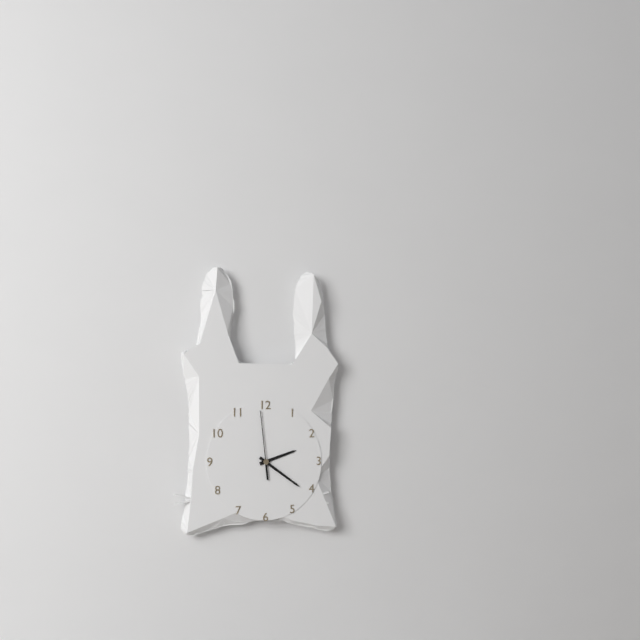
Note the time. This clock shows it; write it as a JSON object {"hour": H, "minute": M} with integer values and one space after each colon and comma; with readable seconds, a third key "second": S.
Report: {"hour": 2, "minute": 21, "second": 59}
